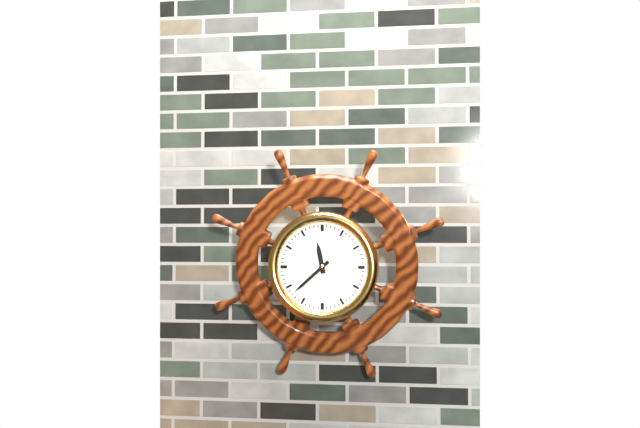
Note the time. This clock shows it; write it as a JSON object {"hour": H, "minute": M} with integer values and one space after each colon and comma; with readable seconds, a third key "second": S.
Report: {"hour": 11, "minute": 38}
